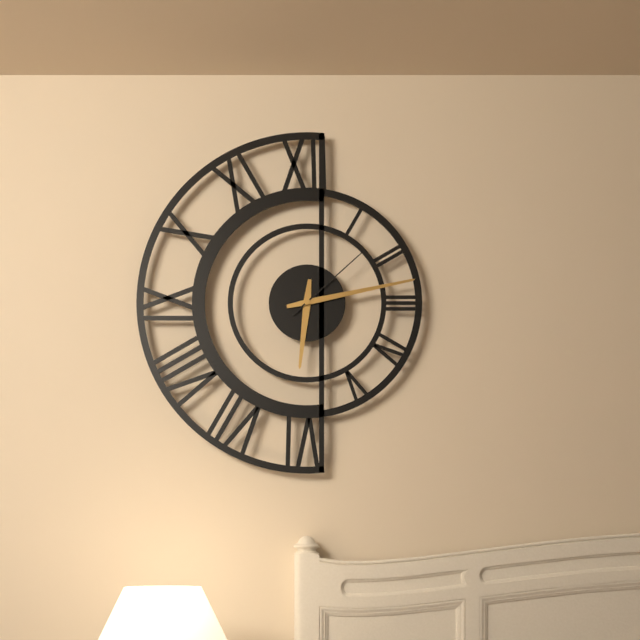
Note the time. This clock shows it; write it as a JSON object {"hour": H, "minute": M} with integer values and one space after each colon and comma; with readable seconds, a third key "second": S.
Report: {"hour": 6, "minute": 13, "second": 8}
